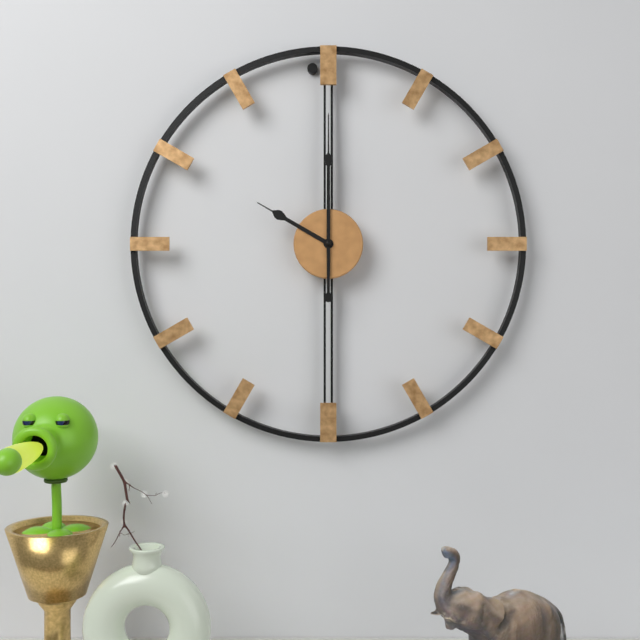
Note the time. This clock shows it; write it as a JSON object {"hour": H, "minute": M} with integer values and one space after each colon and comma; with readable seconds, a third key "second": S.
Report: {"hour": 10, "minute": 0}
